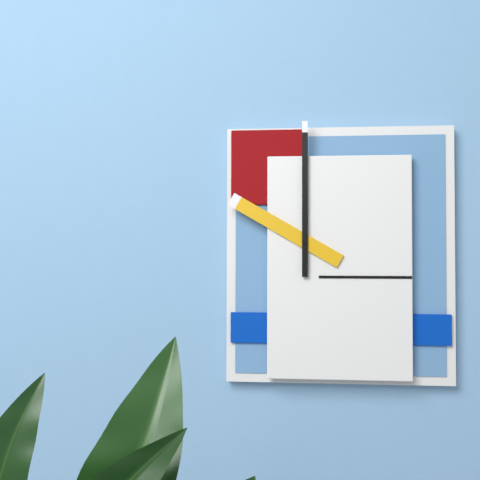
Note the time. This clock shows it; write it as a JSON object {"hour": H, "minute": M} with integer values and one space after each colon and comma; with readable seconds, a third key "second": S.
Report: {"hour": 10, "minute": 0}
